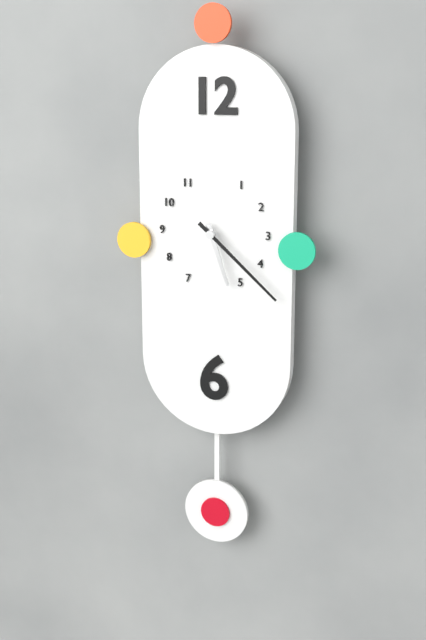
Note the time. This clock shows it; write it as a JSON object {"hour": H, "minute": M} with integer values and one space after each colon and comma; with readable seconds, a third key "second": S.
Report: {"hour": 5, "minute": 22}
